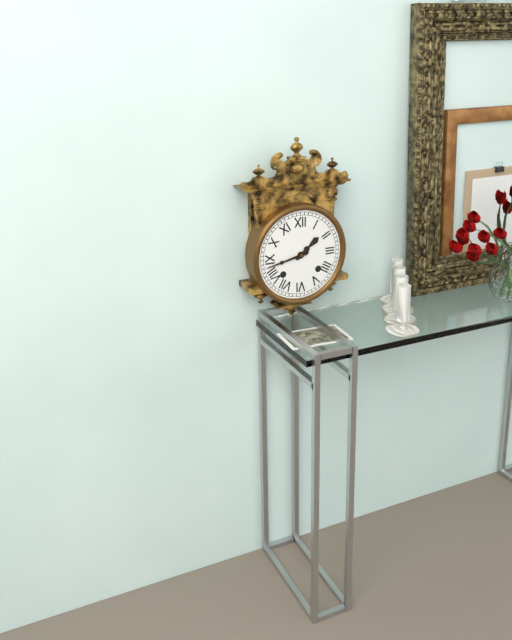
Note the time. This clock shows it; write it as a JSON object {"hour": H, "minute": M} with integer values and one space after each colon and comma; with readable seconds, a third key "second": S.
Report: {"hour": 1, "minute": 43}
